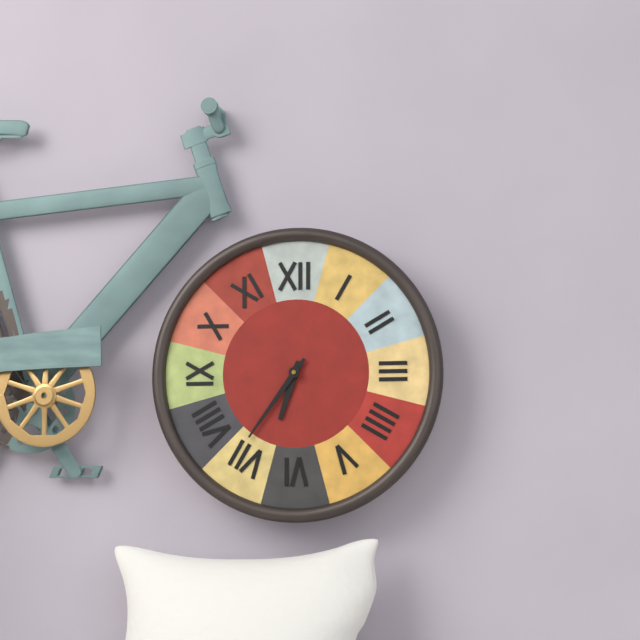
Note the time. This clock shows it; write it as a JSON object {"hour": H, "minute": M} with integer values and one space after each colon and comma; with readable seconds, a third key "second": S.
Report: {"hour": 6, "minute": 36}
